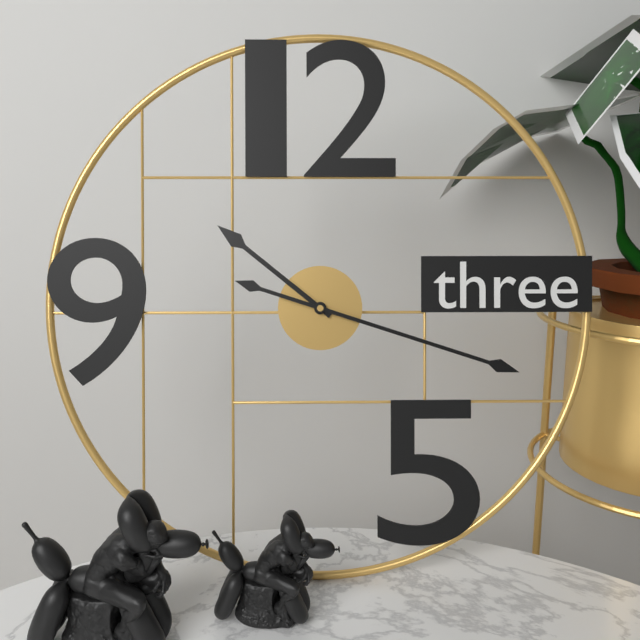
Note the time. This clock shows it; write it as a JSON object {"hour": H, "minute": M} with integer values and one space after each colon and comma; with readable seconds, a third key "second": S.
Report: {"hour": 10, "minute": 18}
